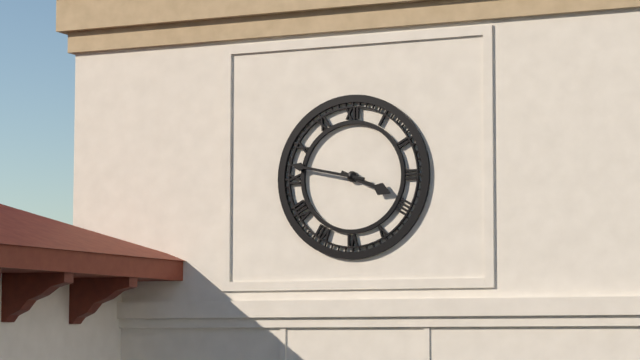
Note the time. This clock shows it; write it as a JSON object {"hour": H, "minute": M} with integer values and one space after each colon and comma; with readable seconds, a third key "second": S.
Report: {"hour": 3, "minute": 47}
